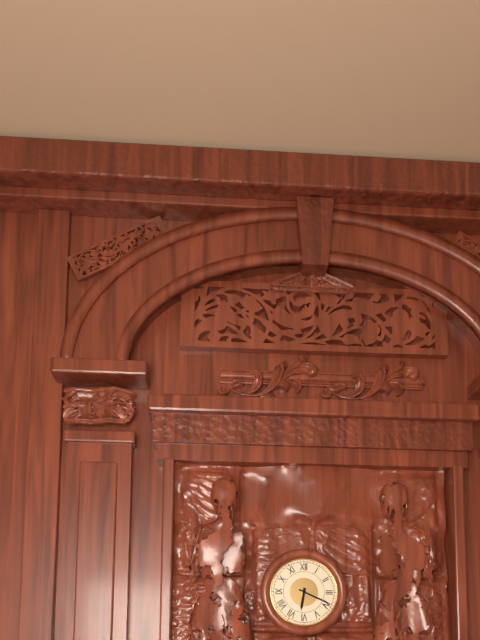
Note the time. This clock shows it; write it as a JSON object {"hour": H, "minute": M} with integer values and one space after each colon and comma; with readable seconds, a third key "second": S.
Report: {"hour": 6, "minute": 19}
